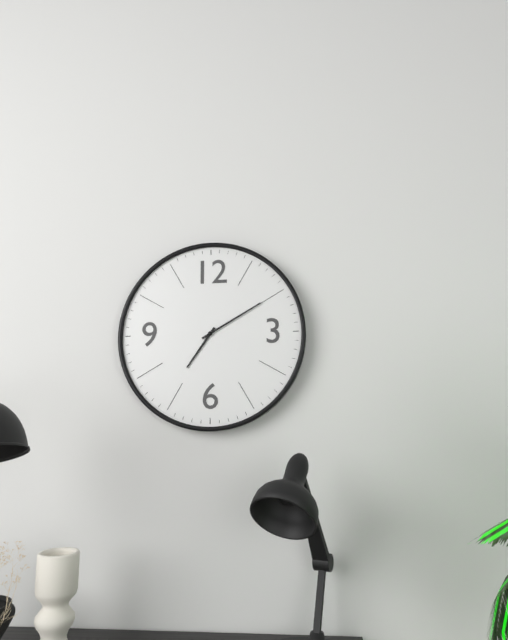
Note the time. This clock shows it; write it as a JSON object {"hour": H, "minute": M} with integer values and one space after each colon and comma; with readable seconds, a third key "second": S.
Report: {"hour": 7, "minute": 10}
